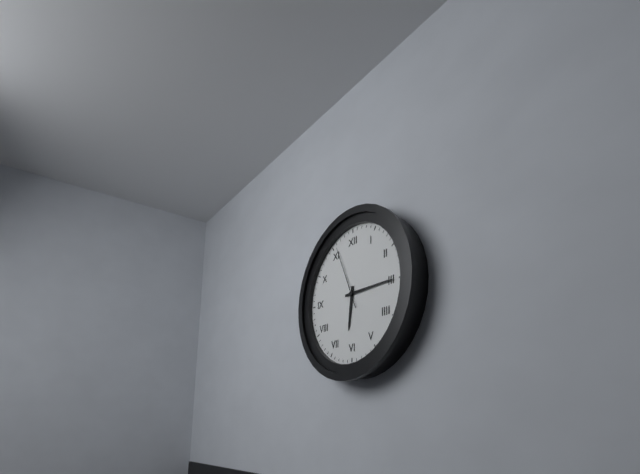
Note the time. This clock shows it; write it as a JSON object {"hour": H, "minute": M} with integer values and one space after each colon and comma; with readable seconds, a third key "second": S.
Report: {"hour": 6, "minute": 15, "second": 56}
